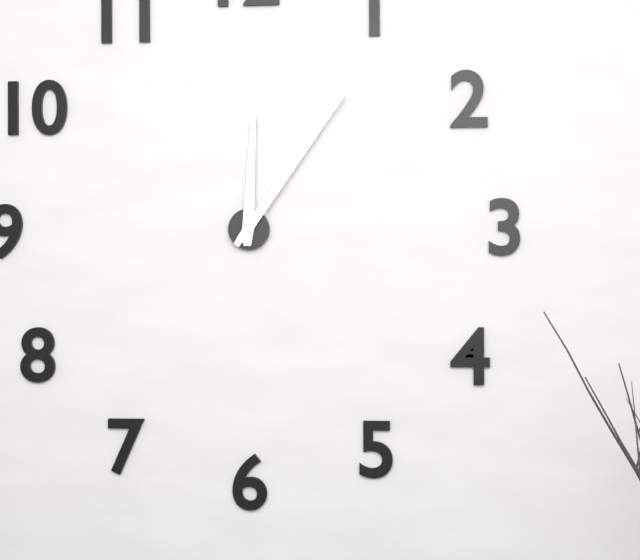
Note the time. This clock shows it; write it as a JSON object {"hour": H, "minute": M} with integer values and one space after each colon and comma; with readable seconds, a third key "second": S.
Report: {"hour": 12, "minute": 6}
